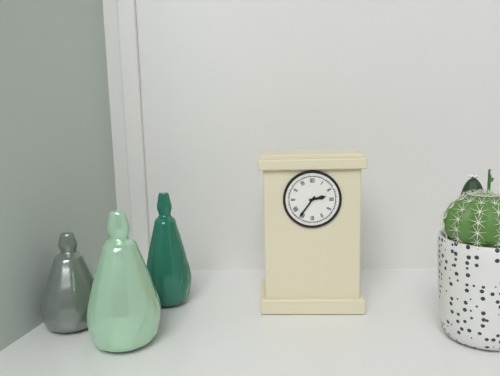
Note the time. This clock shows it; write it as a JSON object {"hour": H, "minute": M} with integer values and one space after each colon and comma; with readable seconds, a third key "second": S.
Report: {"hour": 2, "minute": 36}
